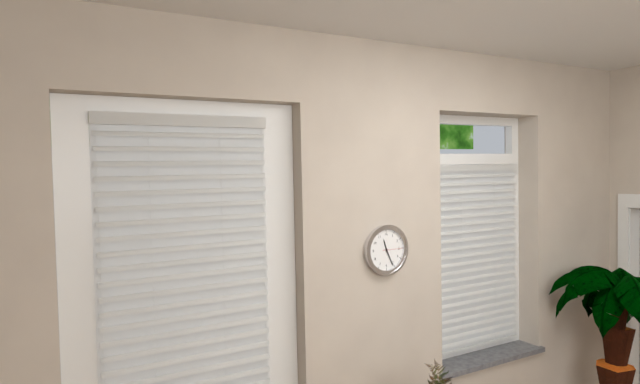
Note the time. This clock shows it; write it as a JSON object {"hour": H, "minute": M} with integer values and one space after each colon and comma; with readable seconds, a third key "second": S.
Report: {"hour": 11, "minute": 26}
